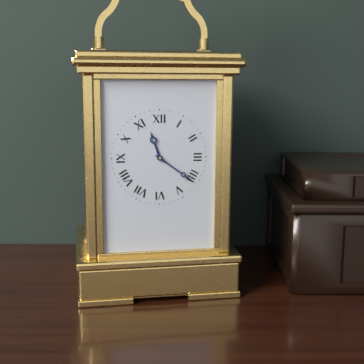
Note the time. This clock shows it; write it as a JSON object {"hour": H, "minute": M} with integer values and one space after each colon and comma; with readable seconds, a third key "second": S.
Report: {"hour": 11, "minute": 21}
